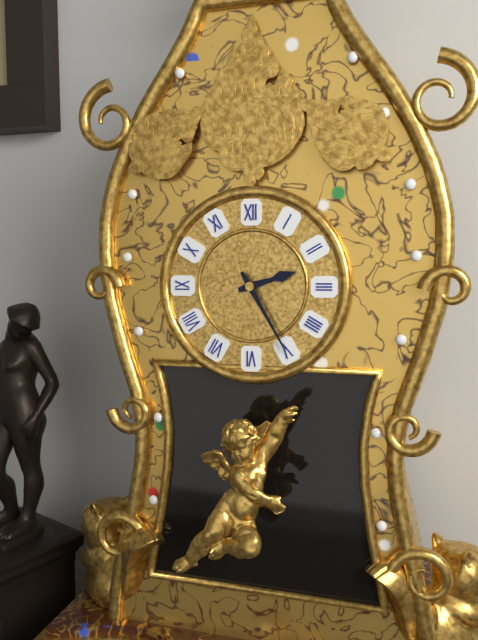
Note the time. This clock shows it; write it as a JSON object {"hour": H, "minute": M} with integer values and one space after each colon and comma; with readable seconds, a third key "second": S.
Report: {"hour": 2, "minute": 25}
